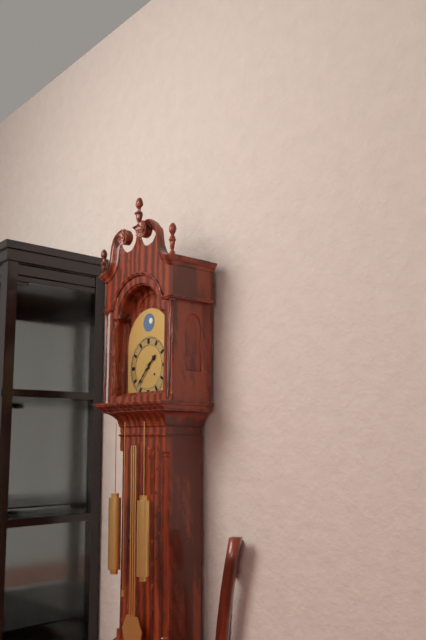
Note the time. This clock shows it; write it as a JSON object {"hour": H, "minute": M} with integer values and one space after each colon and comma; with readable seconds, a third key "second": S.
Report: {"hour": 1, "minute": 37}
